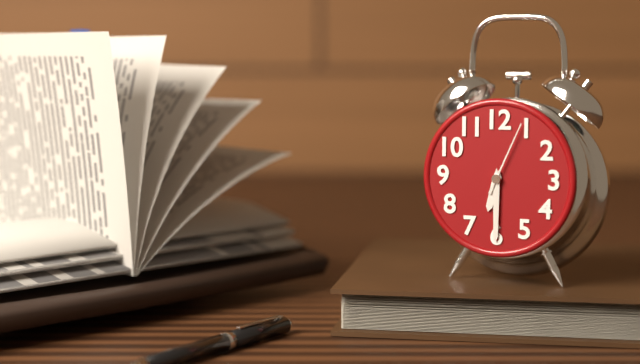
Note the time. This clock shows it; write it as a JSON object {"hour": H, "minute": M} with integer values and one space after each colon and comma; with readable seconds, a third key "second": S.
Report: {"hour": 6, "minute": 30, "second": 4}
